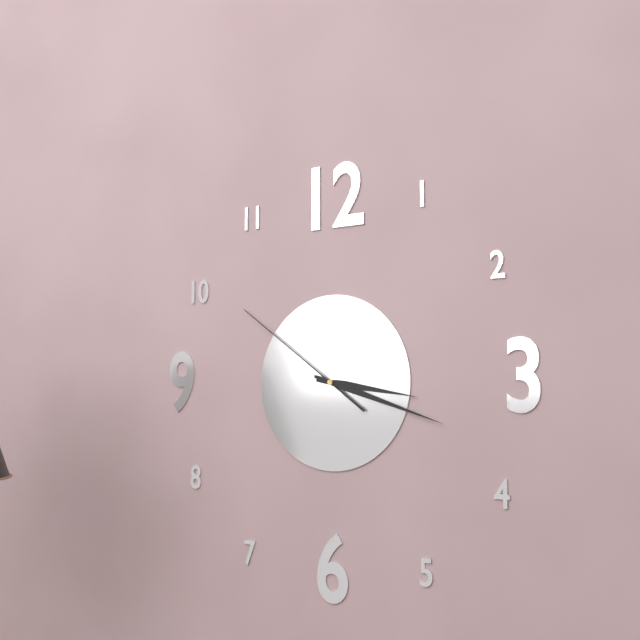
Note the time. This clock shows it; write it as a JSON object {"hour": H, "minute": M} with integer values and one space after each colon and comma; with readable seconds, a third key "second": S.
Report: {"hour": 3, "minute": 18, "second": 51}
